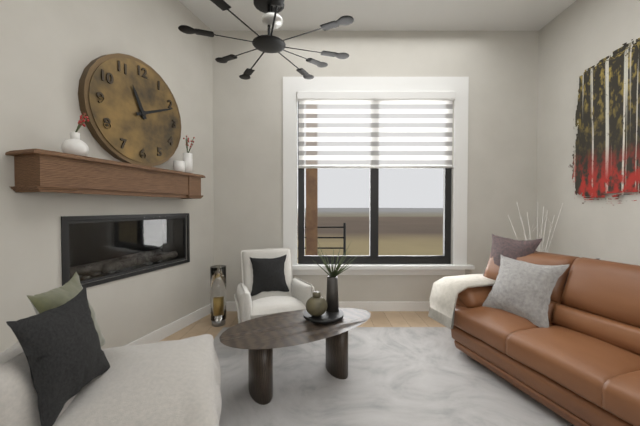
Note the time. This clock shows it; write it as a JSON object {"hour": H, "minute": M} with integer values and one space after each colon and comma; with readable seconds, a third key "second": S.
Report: {"hour": 11, "minute": 11}
